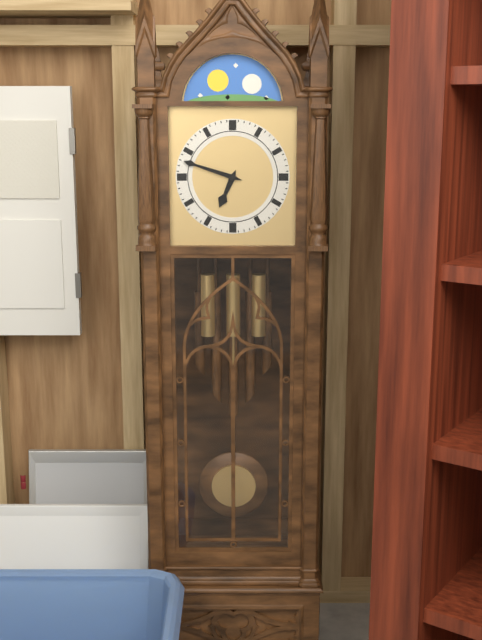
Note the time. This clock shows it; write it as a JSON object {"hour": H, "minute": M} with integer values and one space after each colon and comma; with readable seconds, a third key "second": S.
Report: {"hour": 6, "minute": 48}
